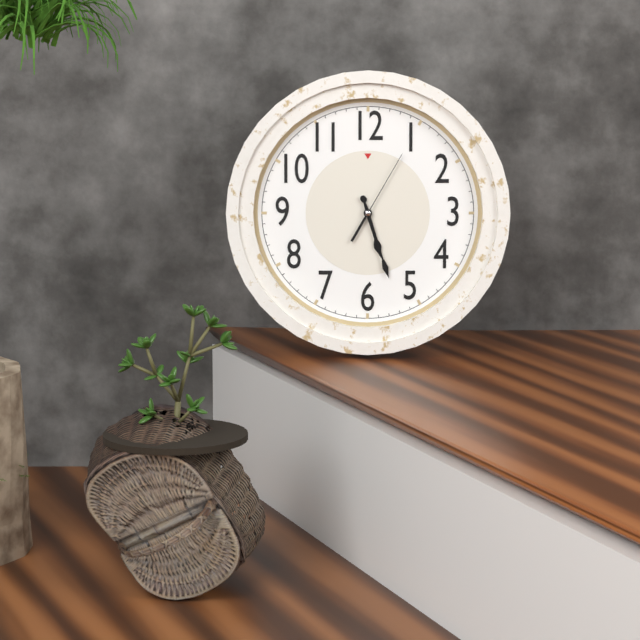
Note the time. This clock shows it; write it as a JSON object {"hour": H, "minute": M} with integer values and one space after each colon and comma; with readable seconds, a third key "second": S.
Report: {"hour": 5, "minute": 27, "second": 5}
